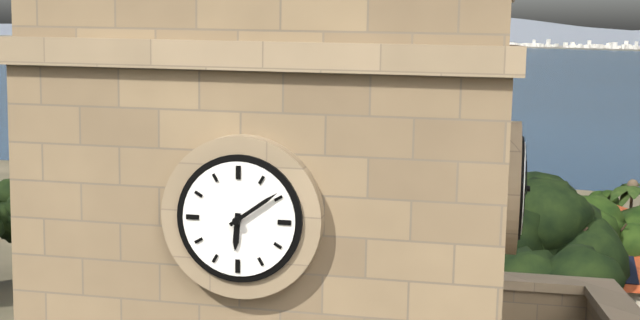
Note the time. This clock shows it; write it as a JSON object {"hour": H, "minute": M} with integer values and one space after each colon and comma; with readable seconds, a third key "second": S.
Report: {"hour": 6, "minute": 9}
